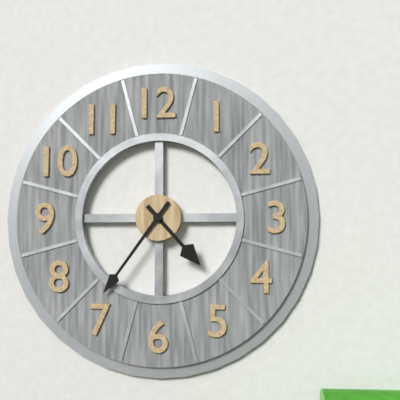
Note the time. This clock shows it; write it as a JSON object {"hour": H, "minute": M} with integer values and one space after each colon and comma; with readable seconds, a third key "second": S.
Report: {"hour": 4, "minute": 36}
